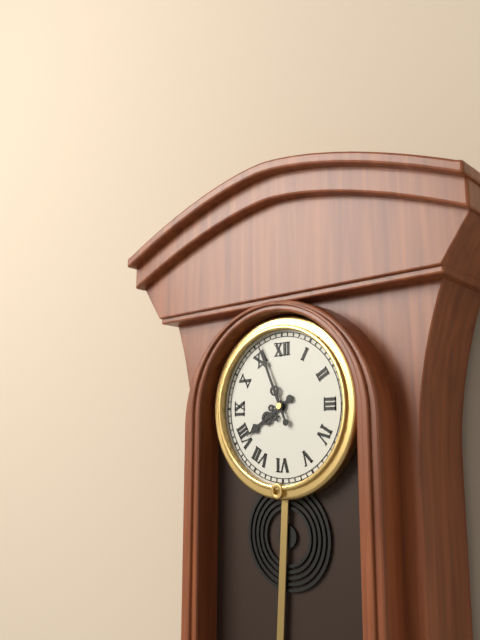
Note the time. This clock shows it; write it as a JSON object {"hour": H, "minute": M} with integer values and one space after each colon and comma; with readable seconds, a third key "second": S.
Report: {"hour": 7, "minute": 56}
